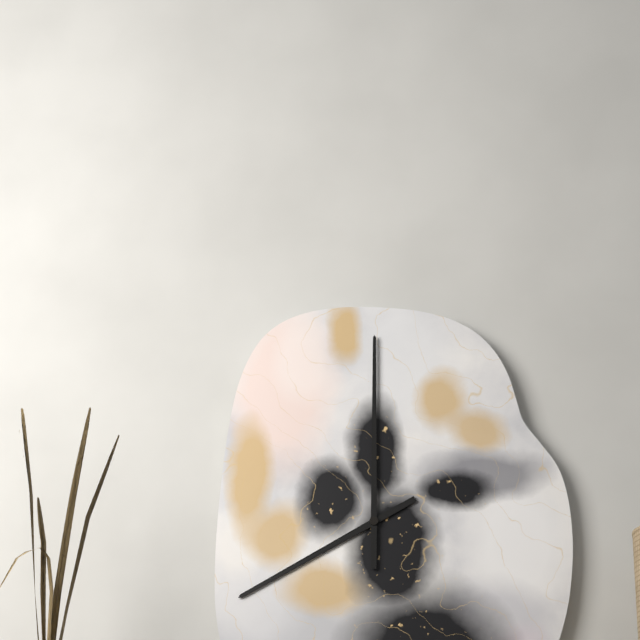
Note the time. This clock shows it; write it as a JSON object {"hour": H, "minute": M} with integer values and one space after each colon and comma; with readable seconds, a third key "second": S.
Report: {"hour": 8, "minute": 0}
